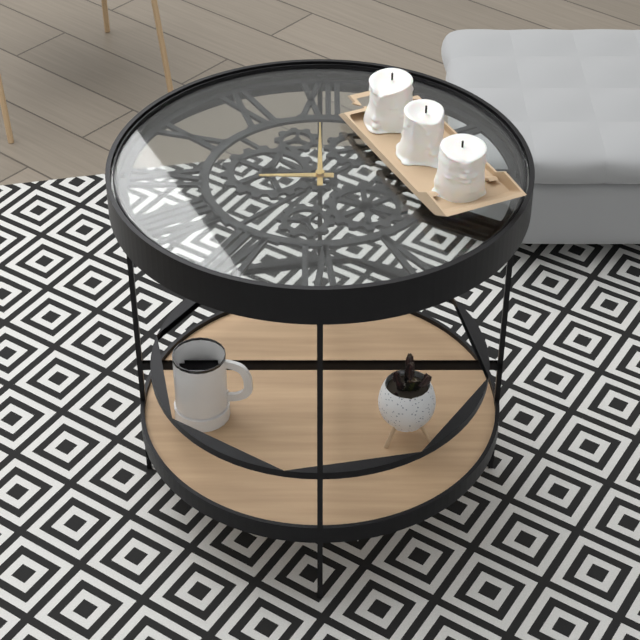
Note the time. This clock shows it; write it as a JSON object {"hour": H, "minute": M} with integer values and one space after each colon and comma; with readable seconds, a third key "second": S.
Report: {"hour": 9, "minute": 0}
